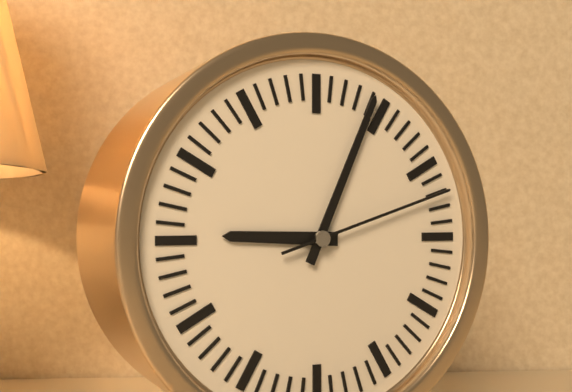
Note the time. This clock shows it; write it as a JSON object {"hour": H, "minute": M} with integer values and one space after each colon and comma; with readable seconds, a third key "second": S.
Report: {"hour": 9, "minute": 4, "second": 12}
